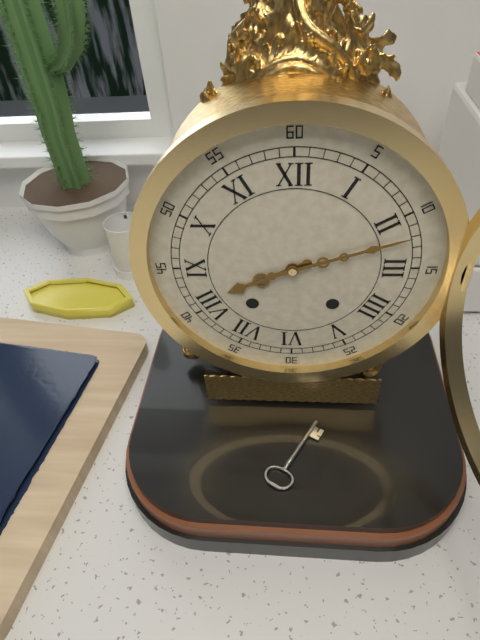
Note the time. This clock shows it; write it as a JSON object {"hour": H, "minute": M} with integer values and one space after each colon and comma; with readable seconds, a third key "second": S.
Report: {"hour": 8, "minute": 12}
